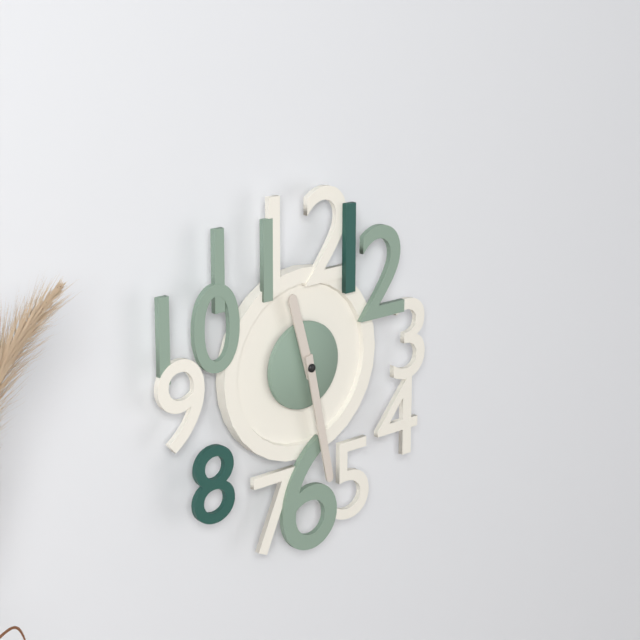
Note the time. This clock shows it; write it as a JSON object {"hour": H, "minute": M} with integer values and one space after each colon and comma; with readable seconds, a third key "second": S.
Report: {"hour": 11, "minute": 28}
